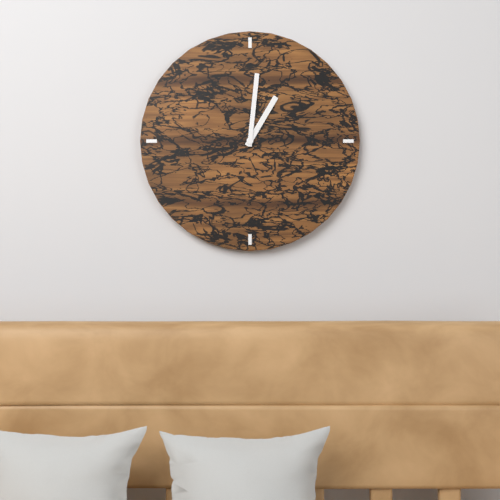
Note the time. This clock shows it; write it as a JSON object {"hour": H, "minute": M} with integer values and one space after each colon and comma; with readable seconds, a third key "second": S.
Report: {"hour": 1, "minute": 1}
